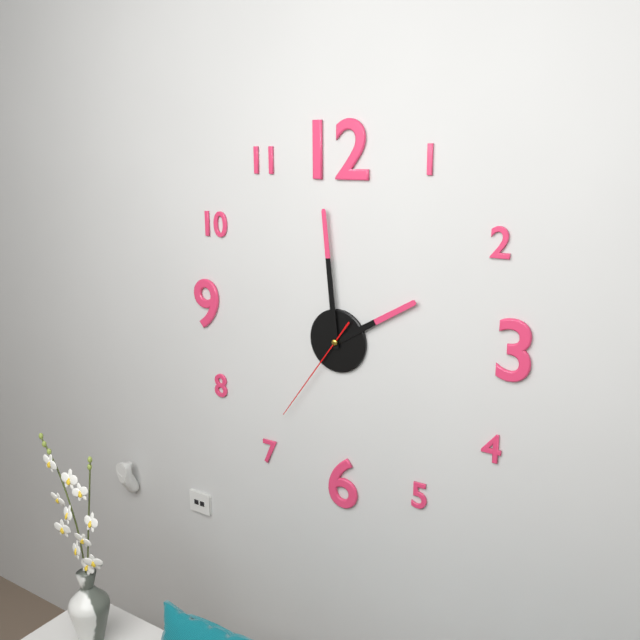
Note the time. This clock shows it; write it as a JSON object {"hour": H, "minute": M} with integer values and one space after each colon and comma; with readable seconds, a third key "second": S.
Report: {"hour": 1, "minute": 59, "second": 36}
